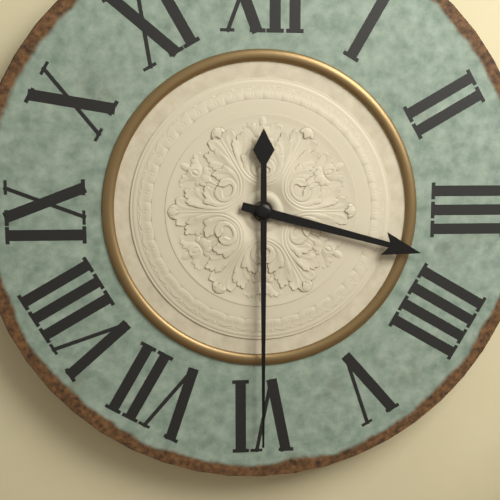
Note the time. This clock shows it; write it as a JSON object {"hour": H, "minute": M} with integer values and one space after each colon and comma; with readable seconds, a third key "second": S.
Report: {"hour": 3, "minute": 30}
